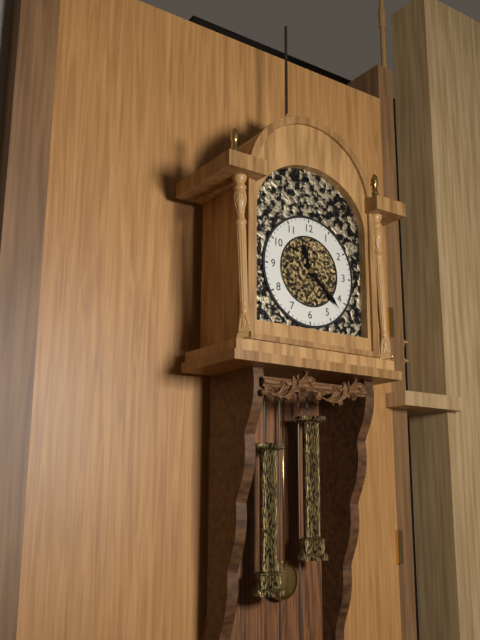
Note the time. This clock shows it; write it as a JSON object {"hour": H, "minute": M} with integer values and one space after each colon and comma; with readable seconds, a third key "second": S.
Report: {"hour": 11, "minute": 22}
